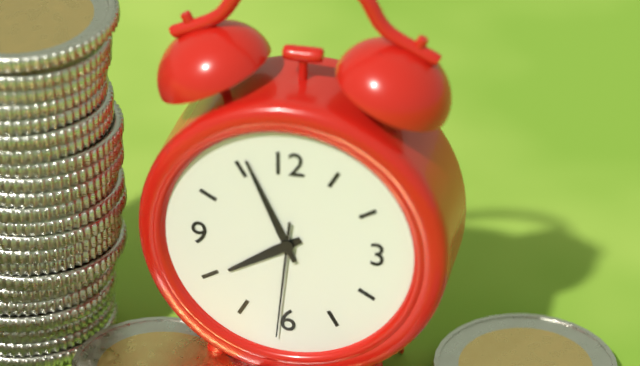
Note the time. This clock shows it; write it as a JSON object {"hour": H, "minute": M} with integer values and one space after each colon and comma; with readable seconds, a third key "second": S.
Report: {"hour": 7, "minute": 56, "second": 31}
